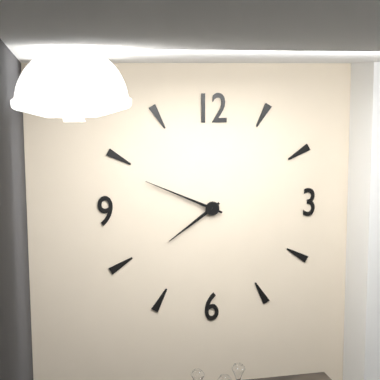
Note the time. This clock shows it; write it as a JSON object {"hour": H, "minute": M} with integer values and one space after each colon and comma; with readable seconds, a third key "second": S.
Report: {"hour": 7, "minute": 49}
